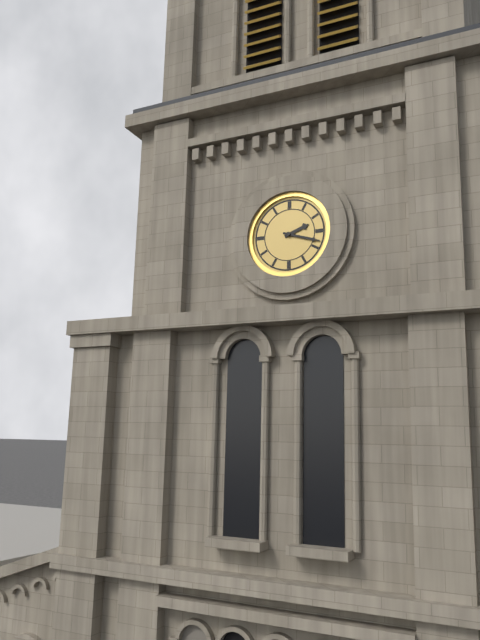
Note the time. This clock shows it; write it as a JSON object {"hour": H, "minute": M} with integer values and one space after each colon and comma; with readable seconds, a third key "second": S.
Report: {"hour": 2, "minute": 18}
